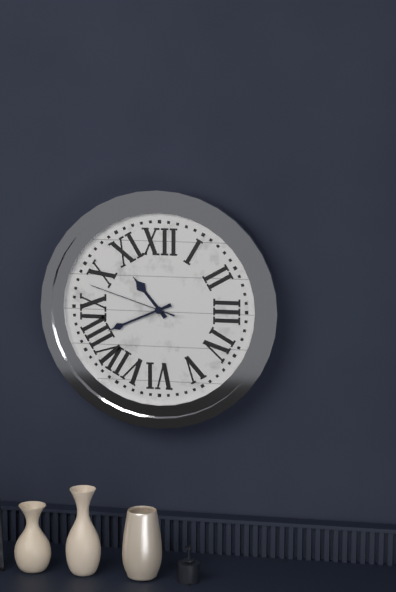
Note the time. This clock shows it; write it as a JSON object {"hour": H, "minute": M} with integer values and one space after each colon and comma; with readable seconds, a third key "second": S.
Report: {"hour": 10, "minute": 41, "second": 48}
